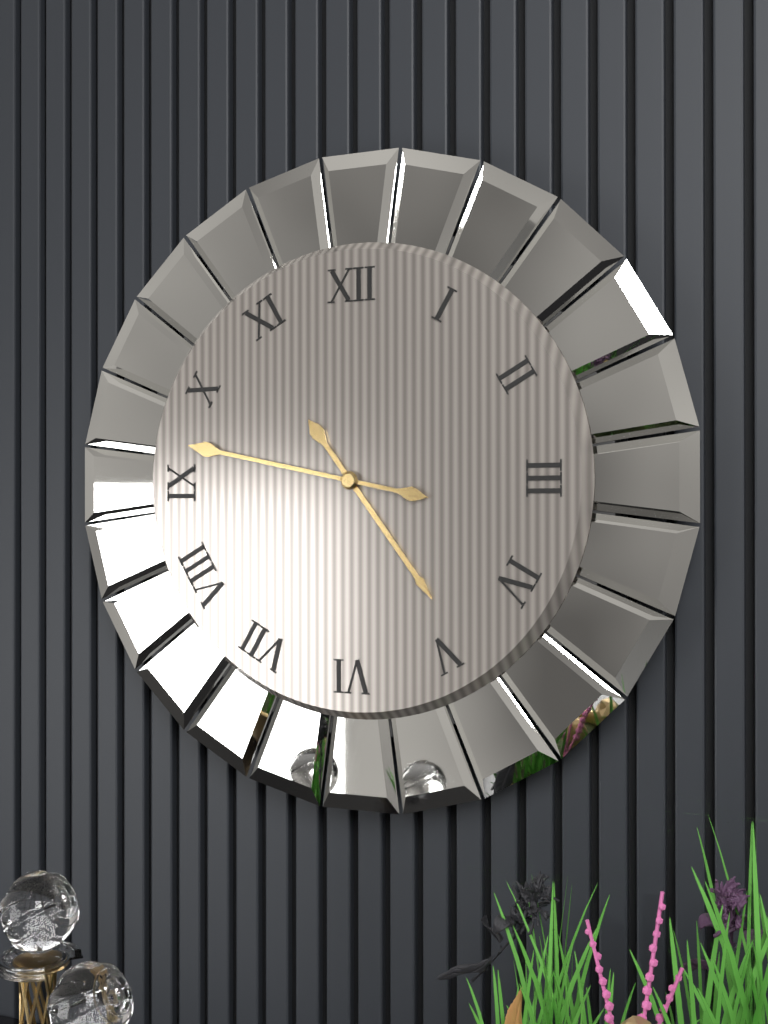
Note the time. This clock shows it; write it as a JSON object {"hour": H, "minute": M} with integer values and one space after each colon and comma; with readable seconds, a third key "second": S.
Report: {"hour": 4, "minute": 47}
